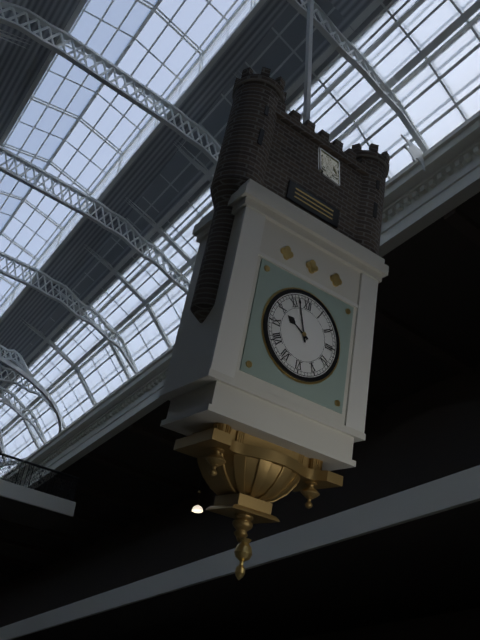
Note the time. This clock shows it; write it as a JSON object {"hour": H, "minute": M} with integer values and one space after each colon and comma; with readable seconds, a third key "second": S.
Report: {"hour": 9, "minute": 57}
